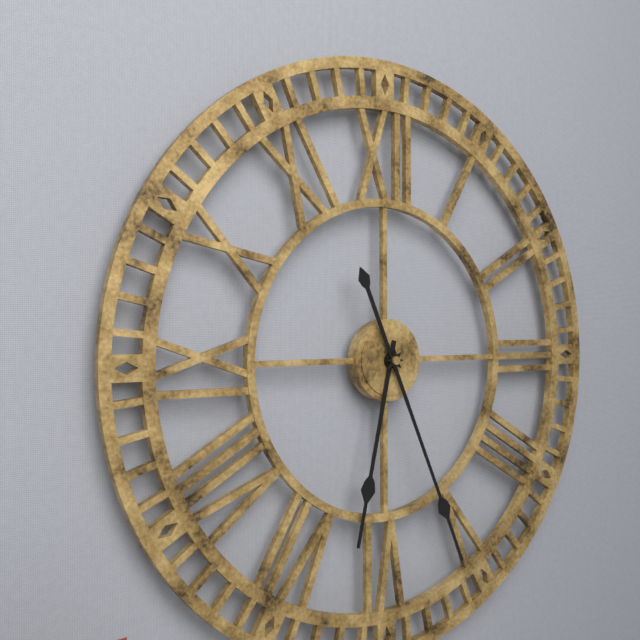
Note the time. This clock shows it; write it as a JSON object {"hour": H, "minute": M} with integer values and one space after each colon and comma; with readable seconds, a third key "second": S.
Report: {"hour": 6, "minute": 26}
